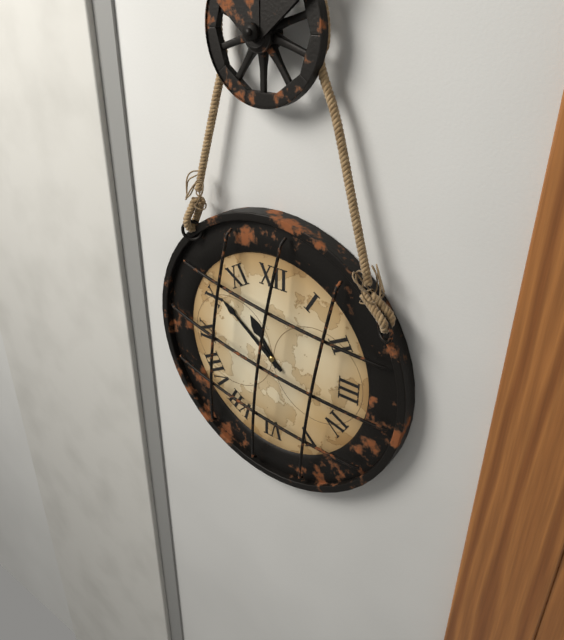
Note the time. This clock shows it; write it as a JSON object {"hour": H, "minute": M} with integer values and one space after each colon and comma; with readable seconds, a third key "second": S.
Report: {"hour": 10, "minute": 51}
